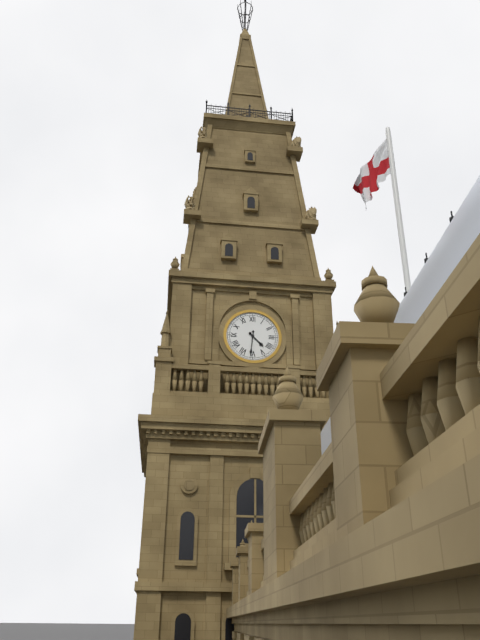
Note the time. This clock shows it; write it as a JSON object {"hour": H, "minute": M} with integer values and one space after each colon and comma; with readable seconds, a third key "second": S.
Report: {"hour": 4, "minute": 31}
